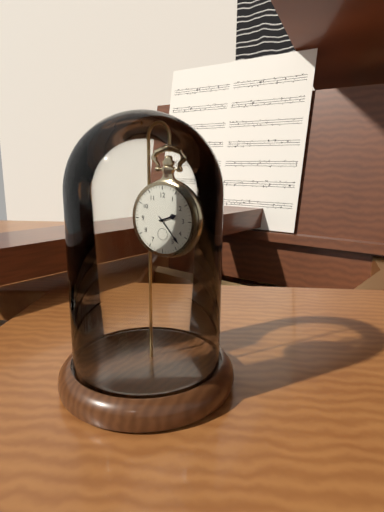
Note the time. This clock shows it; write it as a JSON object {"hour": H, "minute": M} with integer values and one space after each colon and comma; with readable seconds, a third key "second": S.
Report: {"hour": 2, "minute": 23}
